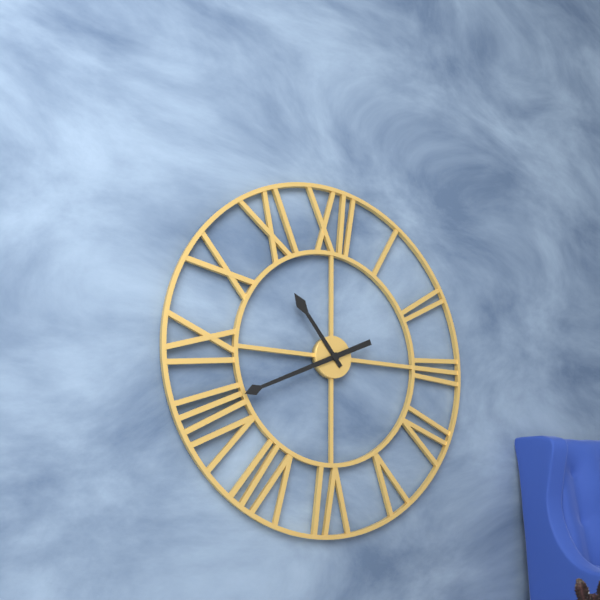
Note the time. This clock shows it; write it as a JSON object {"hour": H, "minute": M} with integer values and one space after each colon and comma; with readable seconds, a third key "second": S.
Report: {"hour": 10, "minute": 41}
